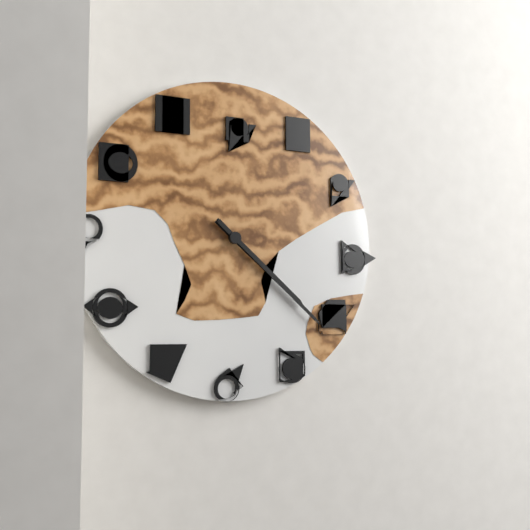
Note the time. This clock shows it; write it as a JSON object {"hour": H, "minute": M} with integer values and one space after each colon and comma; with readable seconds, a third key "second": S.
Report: {"hour": 4, "minute": 22}
